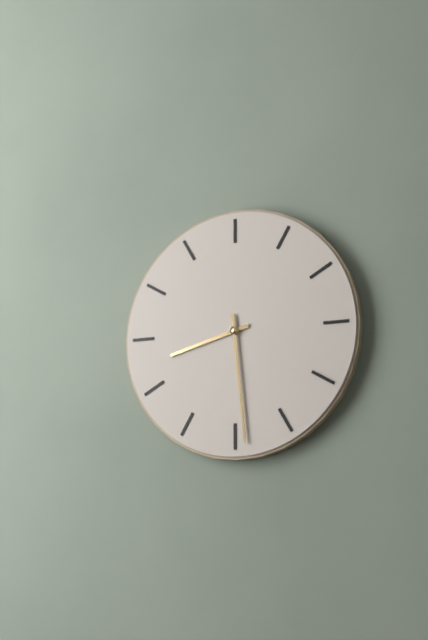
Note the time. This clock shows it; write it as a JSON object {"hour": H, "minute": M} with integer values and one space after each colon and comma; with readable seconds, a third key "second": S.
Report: {"hour": 8, "minute": 29}
